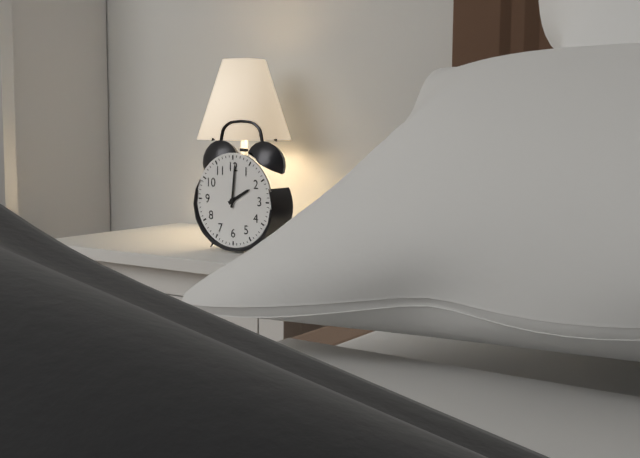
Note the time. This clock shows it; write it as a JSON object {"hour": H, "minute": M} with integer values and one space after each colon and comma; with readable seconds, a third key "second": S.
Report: {"hour": 2, "minute": 1}
